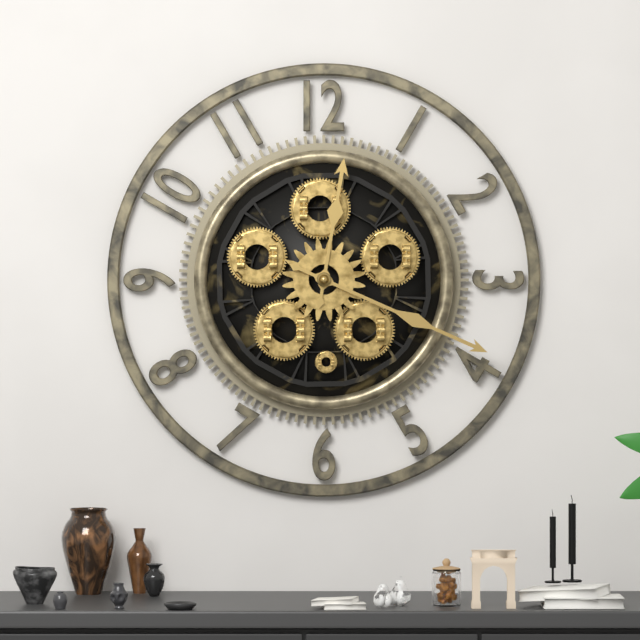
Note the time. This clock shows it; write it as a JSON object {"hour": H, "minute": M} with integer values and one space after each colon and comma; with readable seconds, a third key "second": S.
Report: {"hour": 12, "minute": 19}
